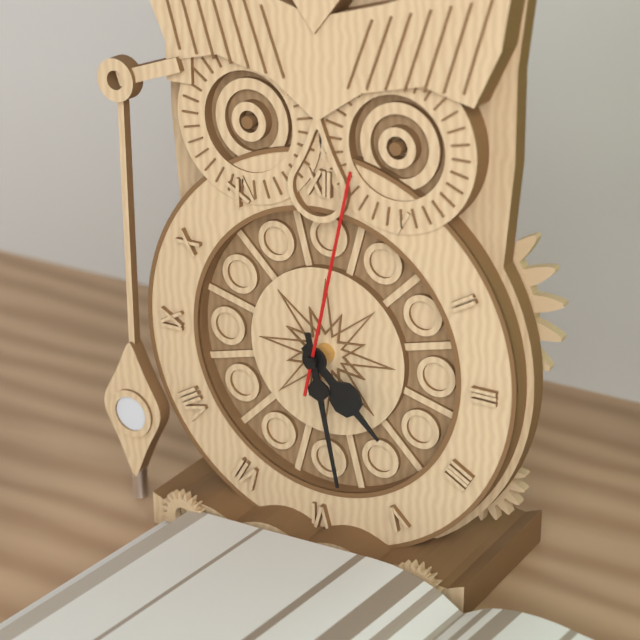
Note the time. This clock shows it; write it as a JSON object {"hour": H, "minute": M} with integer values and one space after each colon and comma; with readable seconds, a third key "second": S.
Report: {"hour": 4, "minute": 28, "second": 2}
